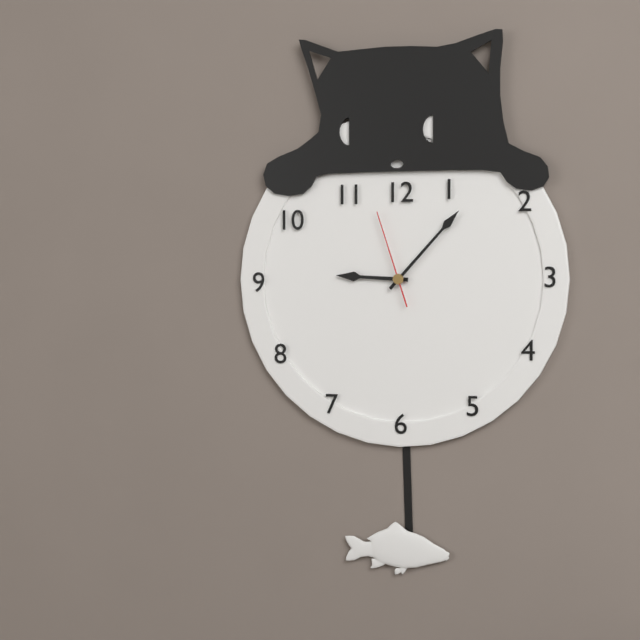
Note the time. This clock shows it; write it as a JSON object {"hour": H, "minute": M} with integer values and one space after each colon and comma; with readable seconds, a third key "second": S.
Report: {"hour": 9, "minute": 7, "second": 57}
